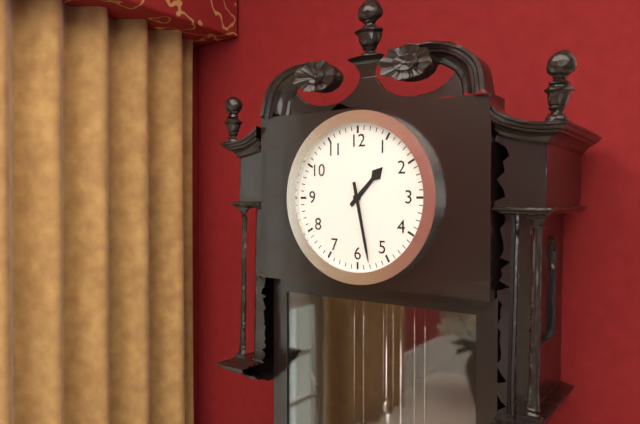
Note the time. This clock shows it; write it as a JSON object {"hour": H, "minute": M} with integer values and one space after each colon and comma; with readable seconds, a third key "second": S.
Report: {"hour": 1, "minute": 28}
